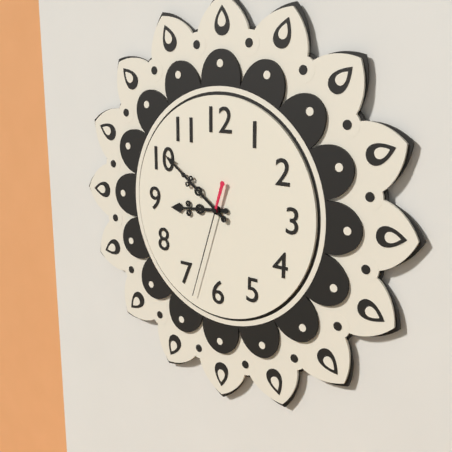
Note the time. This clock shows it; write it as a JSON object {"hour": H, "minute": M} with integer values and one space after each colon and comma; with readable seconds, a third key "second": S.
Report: {"hour": 8, "minute": 51, "second": 33}
